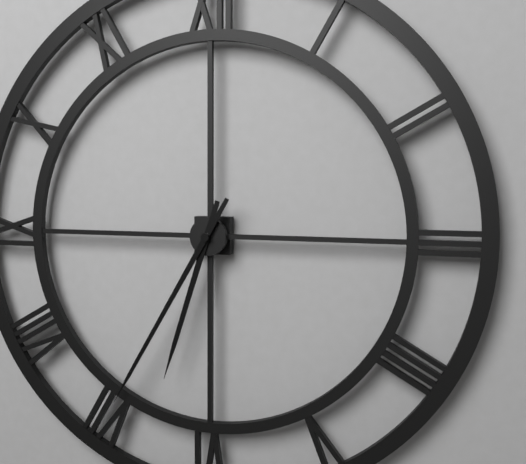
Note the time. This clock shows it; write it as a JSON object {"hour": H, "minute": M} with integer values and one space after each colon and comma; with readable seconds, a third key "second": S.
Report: {"hour": 6, "minute": 35}
